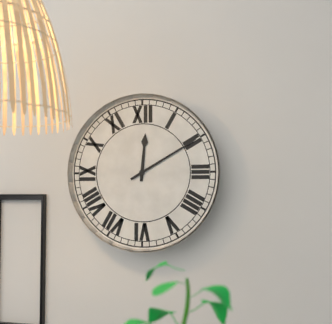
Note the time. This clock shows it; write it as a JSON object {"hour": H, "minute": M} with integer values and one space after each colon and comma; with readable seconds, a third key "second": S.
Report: {"hour": 12, "minute": 10}
